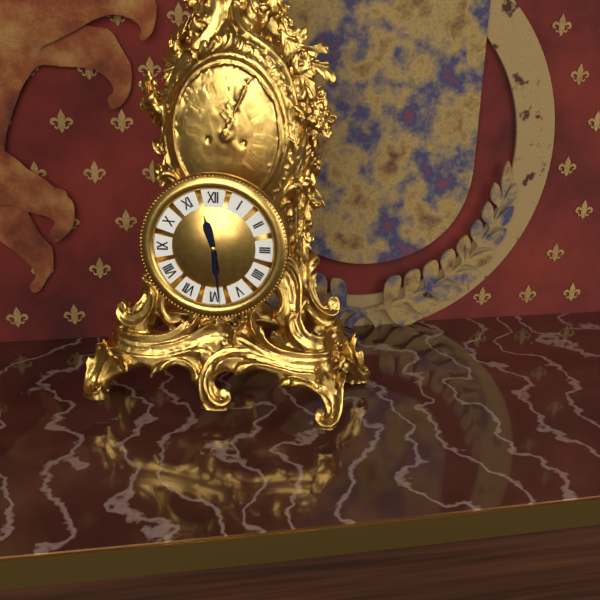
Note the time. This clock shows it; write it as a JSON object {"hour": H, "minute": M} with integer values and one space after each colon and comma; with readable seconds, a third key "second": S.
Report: {"hour": 11, "minute": 29}
